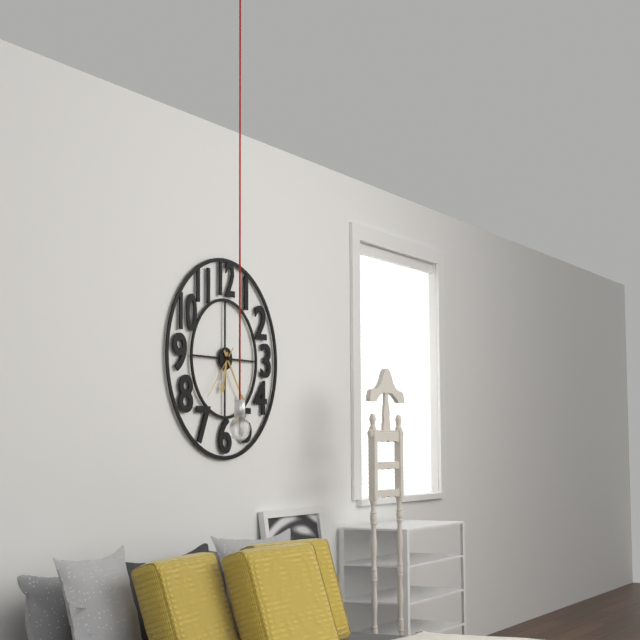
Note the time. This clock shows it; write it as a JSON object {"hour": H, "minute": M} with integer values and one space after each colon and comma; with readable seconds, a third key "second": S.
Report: {"hour": 6, "minute": 24, "second": 37}
